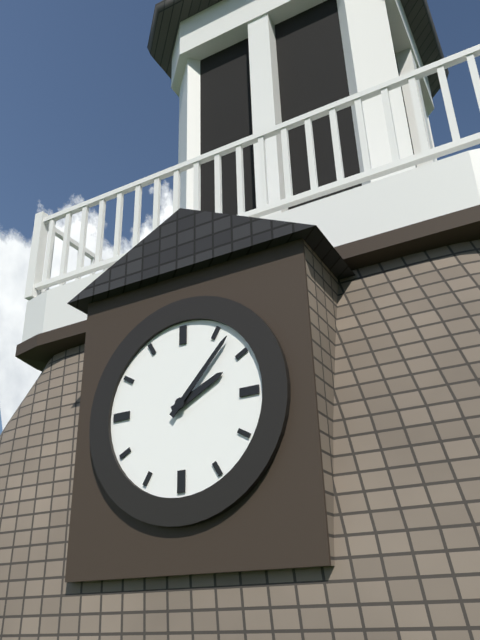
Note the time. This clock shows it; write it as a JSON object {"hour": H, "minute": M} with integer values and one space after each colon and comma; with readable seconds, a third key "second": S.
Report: {"hour": 2, "minute": 7}
